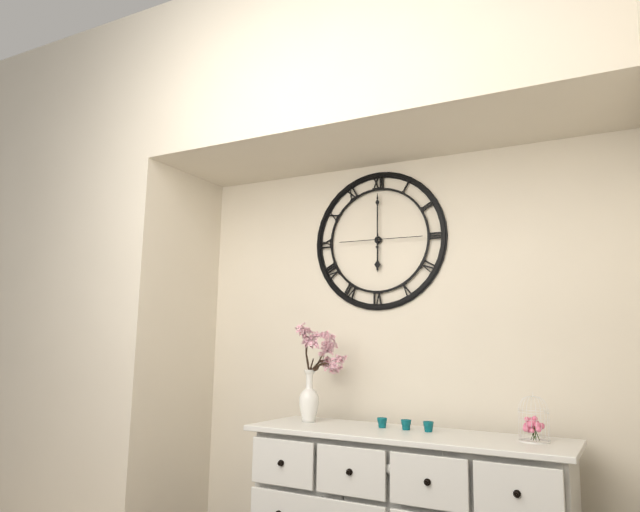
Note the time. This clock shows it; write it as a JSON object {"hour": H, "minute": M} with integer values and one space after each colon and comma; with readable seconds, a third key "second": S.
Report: {"hour": 6, "minute": 0, "second": 15}
